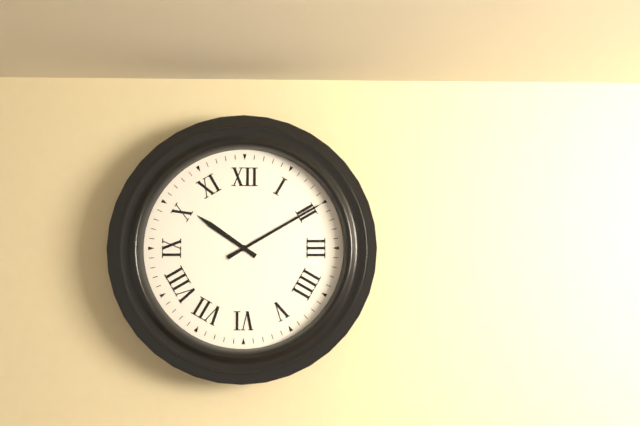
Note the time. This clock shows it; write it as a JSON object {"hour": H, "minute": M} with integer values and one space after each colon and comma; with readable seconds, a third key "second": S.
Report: {"hour": 10, "minute": 10}
